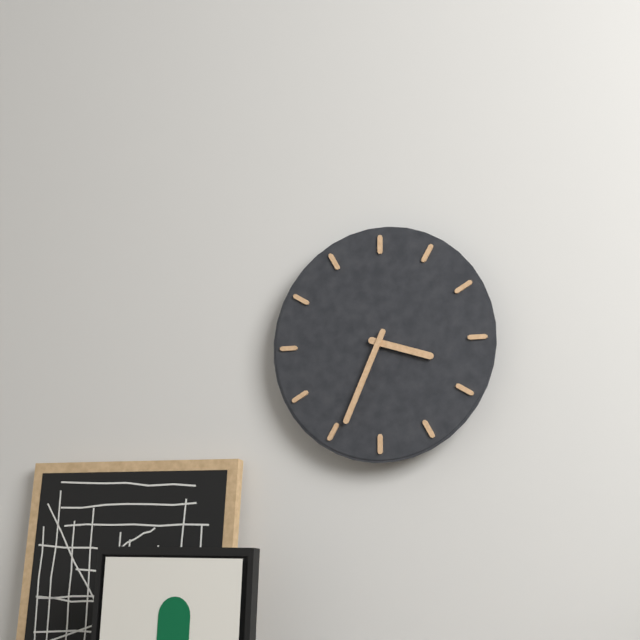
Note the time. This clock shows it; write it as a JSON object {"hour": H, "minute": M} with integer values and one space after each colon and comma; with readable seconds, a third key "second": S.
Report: {"hour": 3, "minute": 34}
